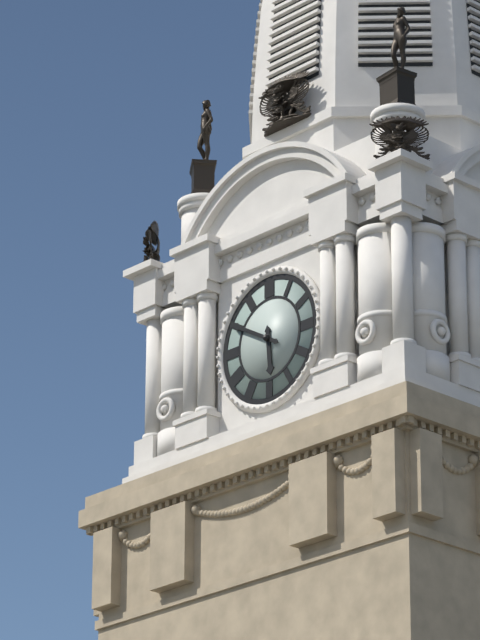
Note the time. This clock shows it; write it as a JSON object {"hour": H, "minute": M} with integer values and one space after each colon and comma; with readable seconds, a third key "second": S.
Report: {"hour": 5, "minute": 50}
